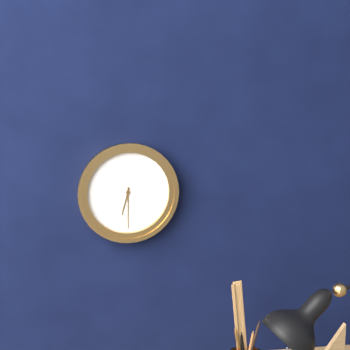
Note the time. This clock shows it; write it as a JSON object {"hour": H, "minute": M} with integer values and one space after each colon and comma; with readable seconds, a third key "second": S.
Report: {"hour": 6, "minute": 30}
